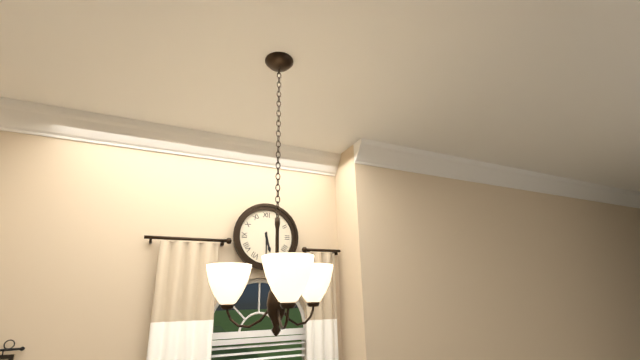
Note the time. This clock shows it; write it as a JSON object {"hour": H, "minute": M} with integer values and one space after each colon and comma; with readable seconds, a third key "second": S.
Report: {"hour": 5, "minute": 30}
